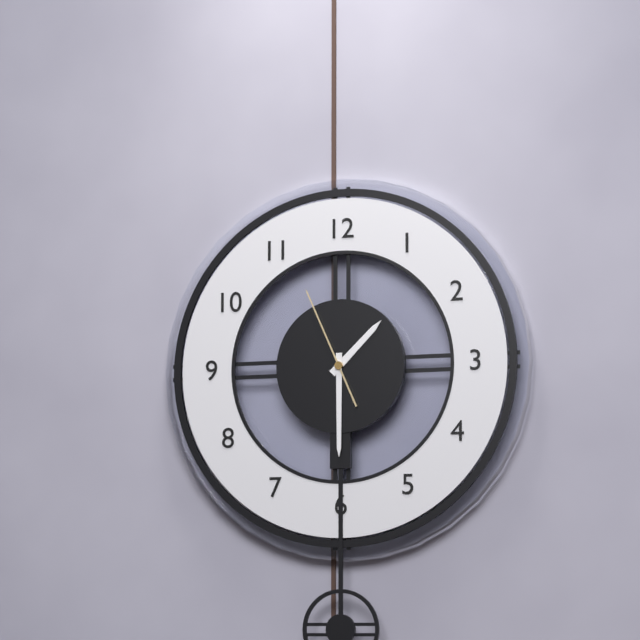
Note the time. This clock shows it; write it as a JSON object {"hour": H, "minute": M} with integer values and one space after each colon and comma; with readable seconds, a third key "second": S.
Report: {"hour": 1, "minute": 30, "second": 56}
